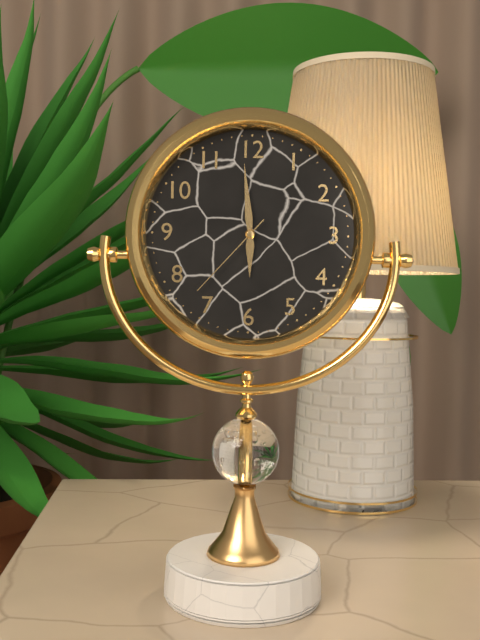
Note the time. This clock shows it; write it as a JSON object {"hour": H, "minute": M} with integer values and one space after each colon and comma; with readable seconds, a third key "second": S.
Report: {"hour": 5, "minute": 59, "second": 37}
